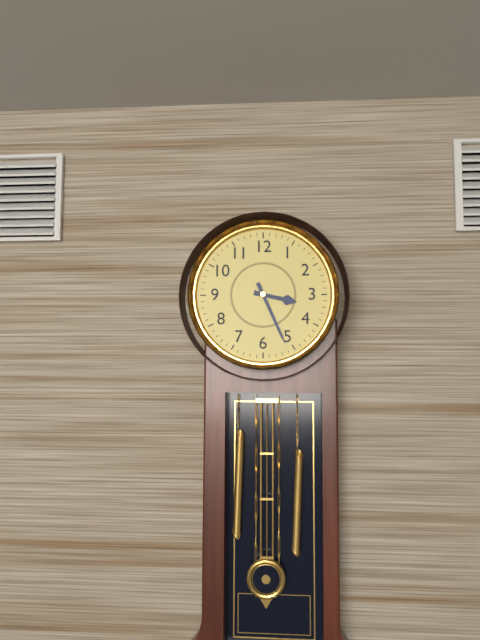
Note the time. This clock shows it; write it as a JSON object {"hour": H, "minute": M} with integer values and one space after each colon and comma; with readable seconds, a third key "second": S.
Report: {"hour": 3, "minute": 26}
